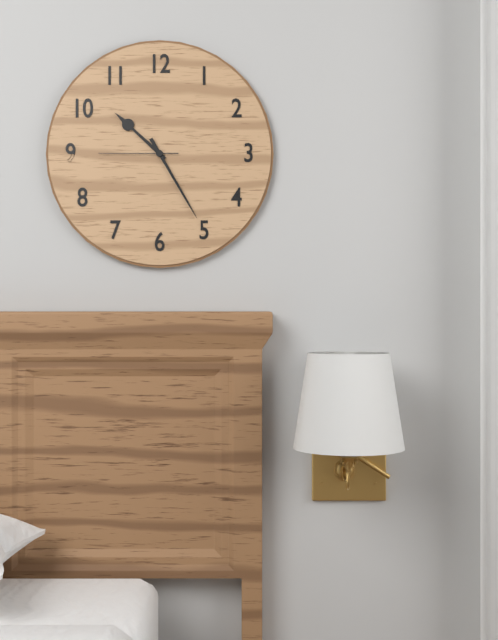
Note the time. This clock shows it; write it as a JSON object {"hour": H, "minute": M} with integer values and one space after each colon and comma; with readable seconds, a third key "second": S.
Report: {"hour": 10, "minute": 25, "second": 45}
